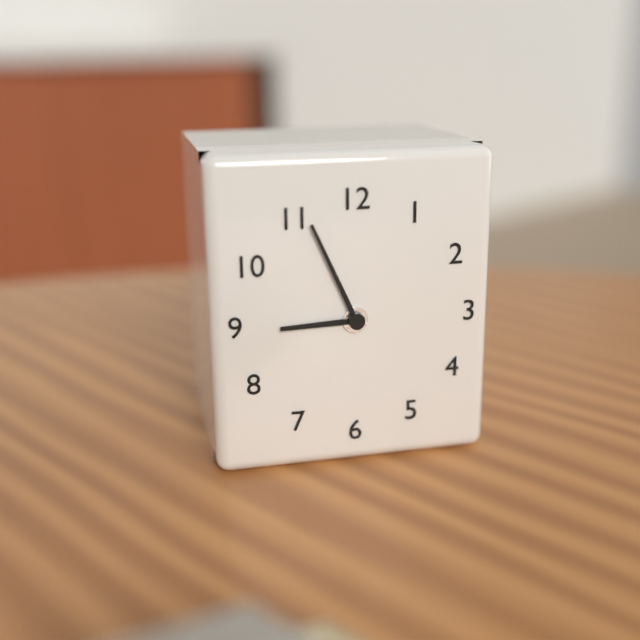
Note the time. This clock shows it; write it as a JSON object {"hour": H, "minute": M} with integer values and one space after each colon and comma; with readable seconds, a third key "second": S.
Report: {"hour": 8, "minute": 56}
